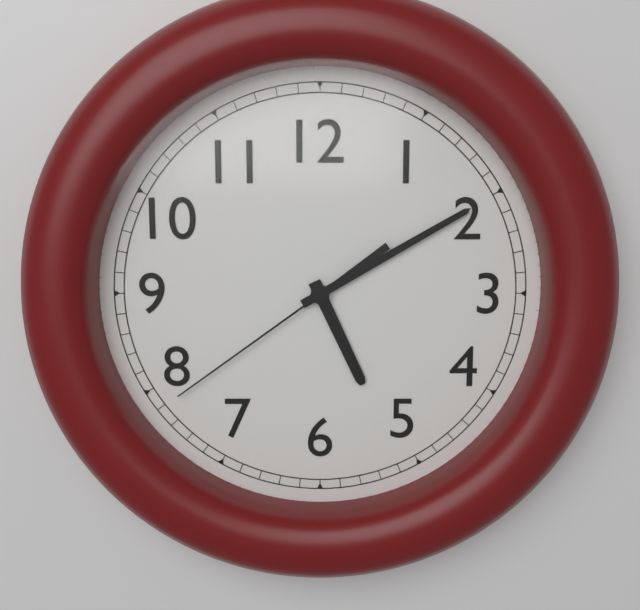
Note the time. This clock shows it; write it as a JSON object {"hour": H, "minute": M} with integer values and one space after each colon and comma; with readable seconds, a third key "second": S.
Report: {"hour": 5, "minute": 10, "second": 39}
